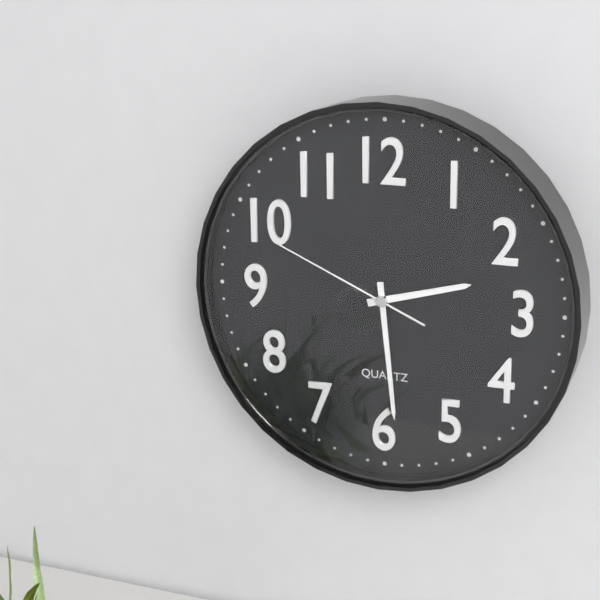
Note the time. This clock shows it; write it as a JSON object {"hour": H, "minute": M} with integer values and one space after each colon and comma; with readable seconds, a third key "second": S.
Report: {"hour": 2, "minute": 29, "second": 49}
